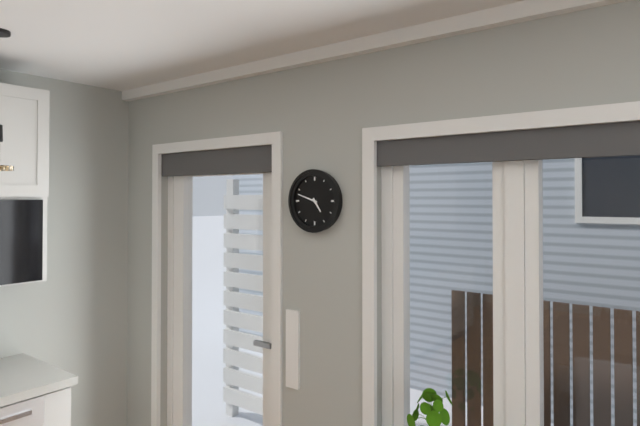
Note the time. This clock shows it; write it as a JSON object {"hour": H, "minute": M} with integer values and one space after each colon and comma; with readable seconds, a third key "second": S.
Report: {"hour": 4, "minute": 48}
